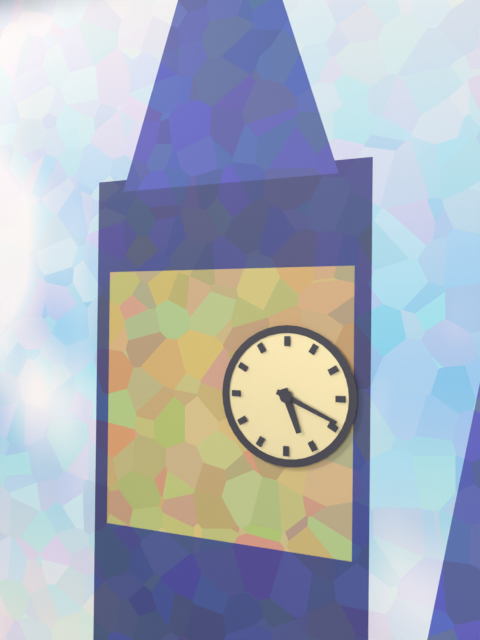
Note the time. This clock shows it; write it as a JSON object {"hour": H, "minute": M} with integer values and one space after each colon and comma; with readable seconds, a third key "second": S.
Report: {"hour": 5, "minute": 19}
